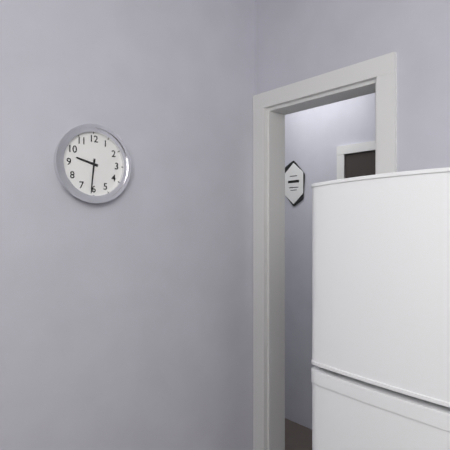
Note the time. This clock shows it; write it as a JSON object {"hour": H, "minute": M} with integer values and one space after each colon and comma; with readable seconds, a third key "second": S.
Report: {"hour": 9, "minute": 31}
